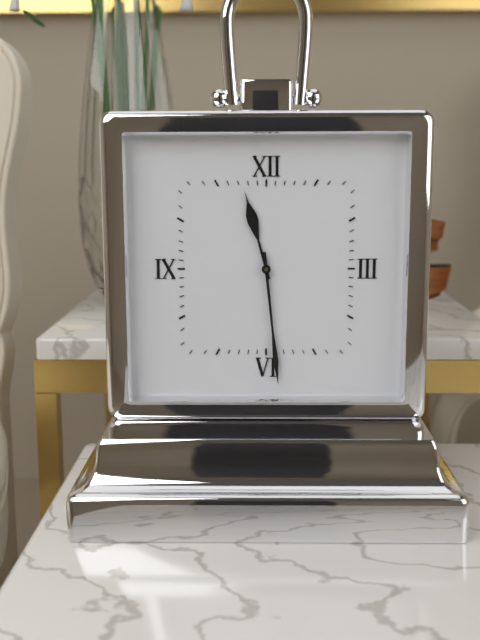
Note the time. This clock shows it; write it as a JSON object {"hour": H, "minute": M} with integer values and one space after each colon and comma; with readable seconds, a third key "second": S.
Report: {"hour": 11, "minute": 29}
